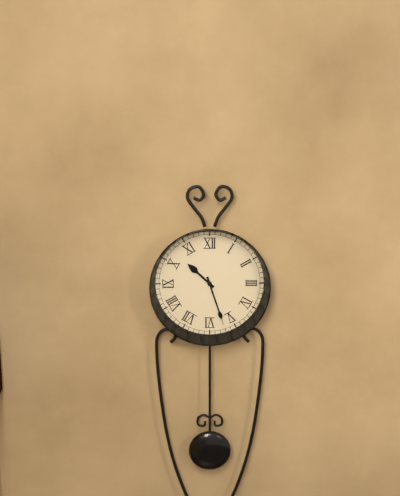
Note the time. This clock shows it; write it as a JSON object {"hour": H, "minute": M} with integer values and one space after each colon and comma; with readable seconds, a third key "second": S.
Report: {"hour": 10, "minute": 27}
